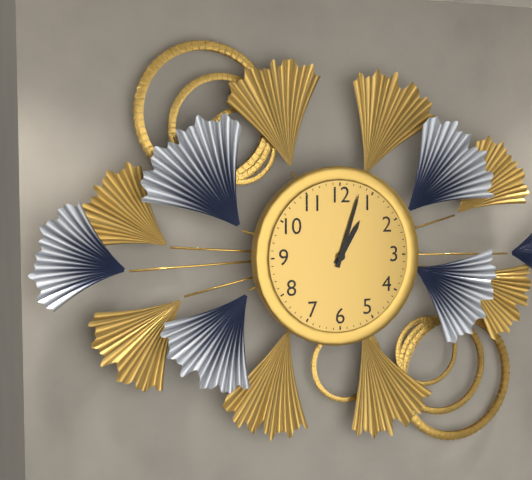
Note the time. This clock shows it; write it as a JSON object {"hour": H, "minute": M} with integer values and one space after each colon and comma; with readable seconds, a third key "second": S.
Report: {"hour": 1, "minute": 3}
